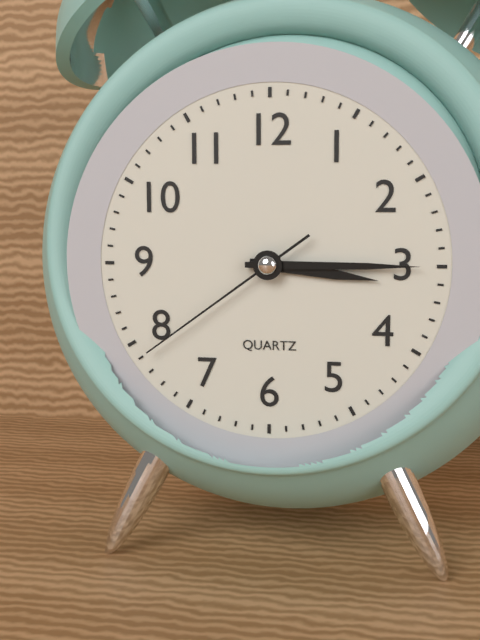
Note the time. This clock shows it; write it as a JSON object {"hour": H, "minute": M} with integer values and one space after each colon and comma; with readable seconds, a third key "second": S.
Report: {"hour": 3, "minute": 15, "second": 39}
